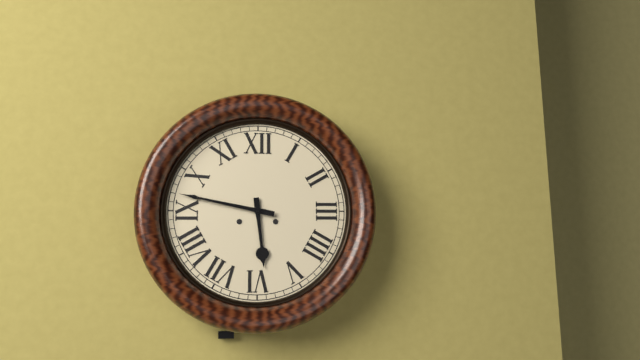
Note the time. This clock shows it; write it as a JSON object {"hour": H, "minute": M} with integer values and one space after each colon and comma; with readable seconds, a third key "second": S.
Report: {"hour": 5, "minute": 47}
